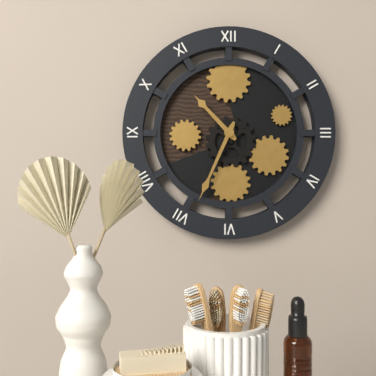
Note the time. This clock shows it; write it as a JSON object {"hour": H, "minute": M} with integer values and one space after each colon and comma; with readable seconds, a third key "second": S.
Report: {"hour": 10, "minute": 34}
